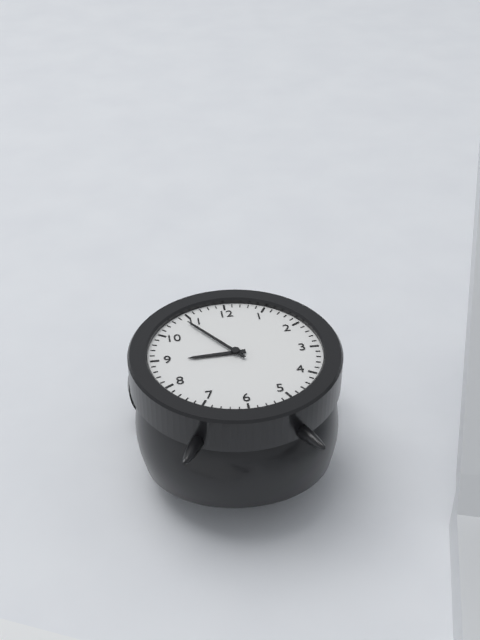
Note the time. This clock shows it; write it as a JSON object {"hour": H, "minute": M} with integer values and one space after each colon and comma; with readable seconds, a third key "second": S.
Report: {"hour": 8, "minute": 54}
